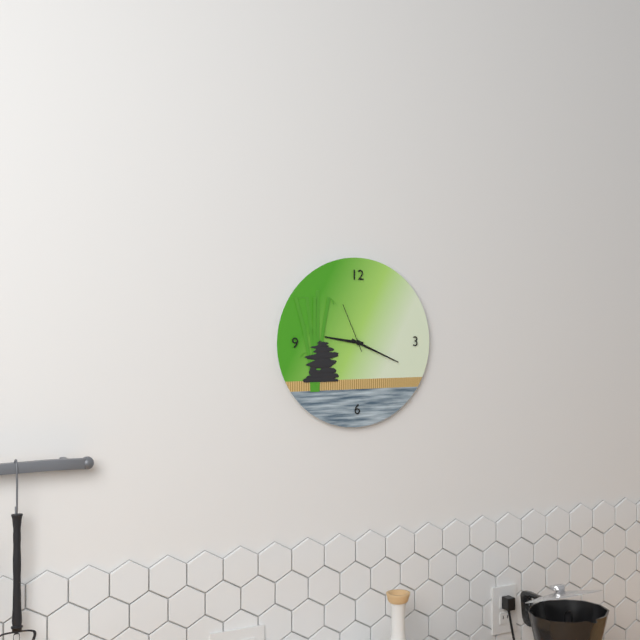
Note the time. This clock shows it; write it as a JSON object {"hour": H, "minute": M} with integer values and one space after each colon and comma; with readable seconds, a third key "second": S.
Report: {"hour": 9, "minute": 19, "second": 56}
